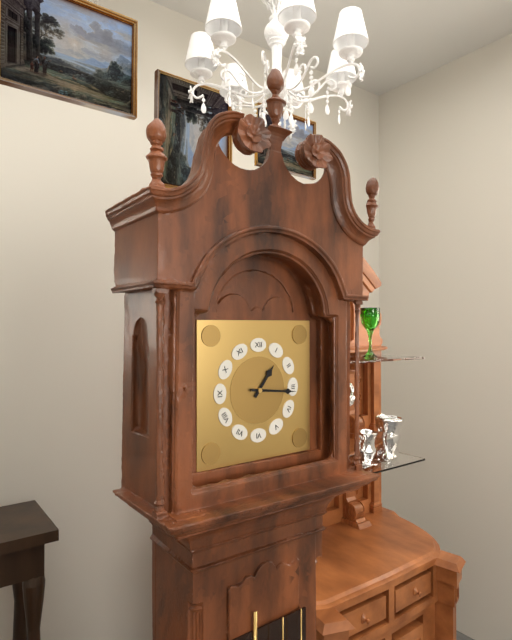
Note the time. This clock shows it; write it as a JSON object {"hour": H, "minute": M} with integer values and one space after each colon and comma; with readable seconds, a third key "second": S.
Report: {"hour": 1, "minute": 16}
